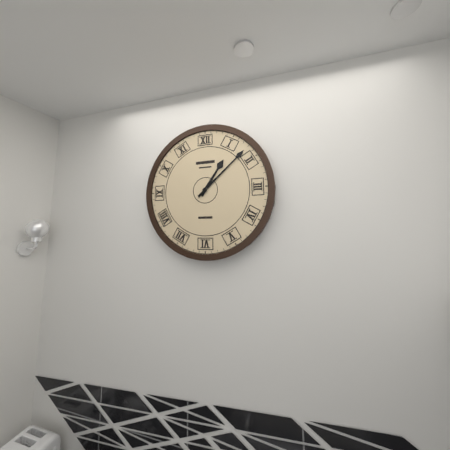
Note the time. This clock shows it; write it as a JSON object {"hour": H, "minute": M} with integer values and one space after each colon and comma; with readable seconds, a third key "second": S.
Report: {"hour": 1, "minute": 8}
